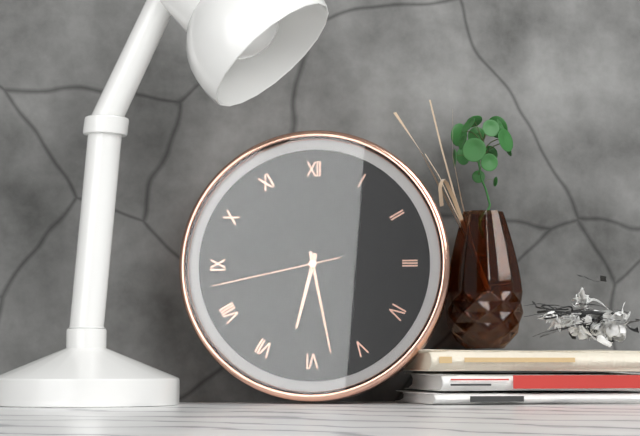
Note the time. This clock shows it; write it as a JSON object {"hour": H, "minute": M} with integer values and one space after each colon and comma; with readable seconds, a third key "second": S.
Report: {"hour": 6, "minute": 28, "second": 43}
